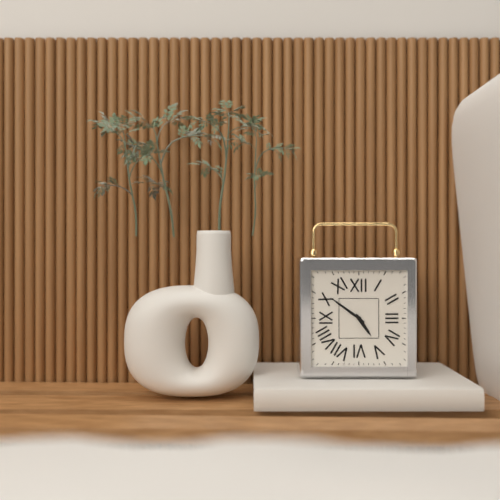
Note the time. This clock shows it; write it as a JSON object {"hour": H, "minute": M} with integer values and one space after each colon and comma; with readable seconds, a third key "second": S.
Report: {"hour": 4, "minute": 51}
